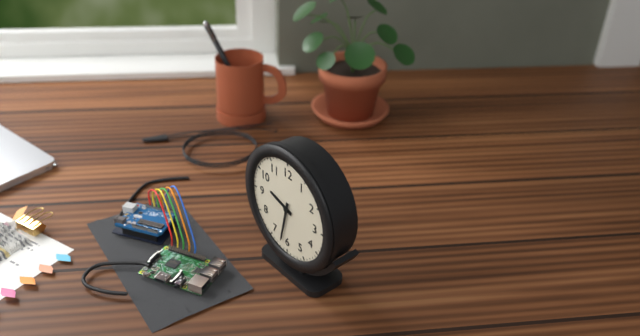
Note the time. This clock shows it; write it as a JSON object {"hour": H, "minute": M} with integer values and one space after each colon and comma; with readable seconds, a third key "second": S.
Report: {"hour": 9, "minute": 32}
